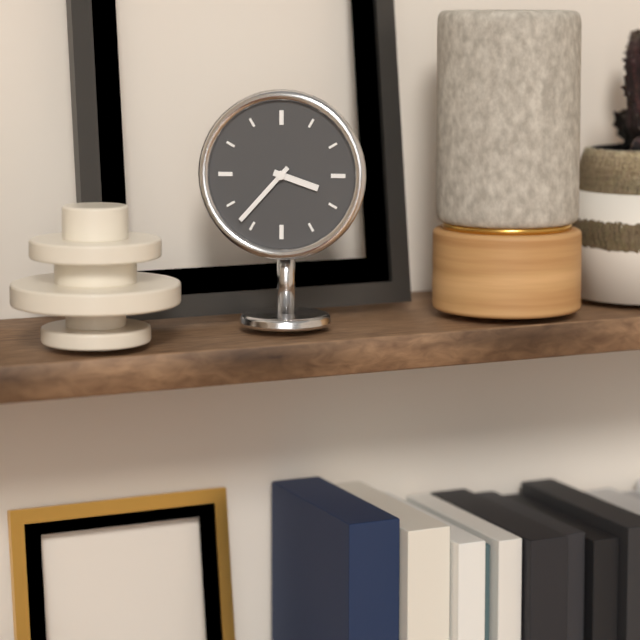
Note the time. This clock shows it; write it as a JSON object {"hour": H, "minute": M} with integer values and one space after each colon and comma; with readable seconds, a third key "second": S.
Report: {"hour": 3, "minute": 37}
